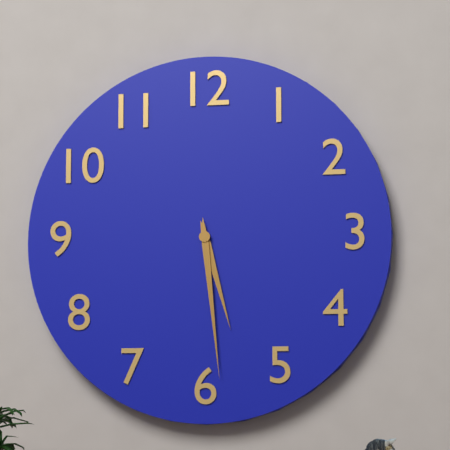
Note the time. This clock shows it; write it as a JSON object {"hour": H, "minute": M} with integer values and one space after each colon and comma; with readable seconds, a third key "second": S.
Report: {"hour": 5, "minute": 29}
